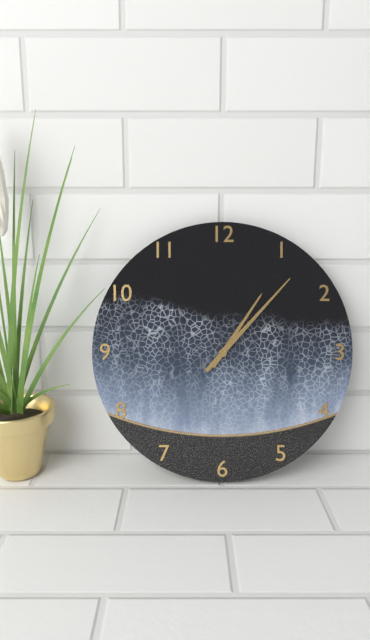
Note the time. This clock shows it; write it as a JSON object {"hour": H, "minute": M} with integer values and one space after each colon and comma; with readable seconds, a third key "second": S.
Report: {"hour": 1, "minute": 7}
